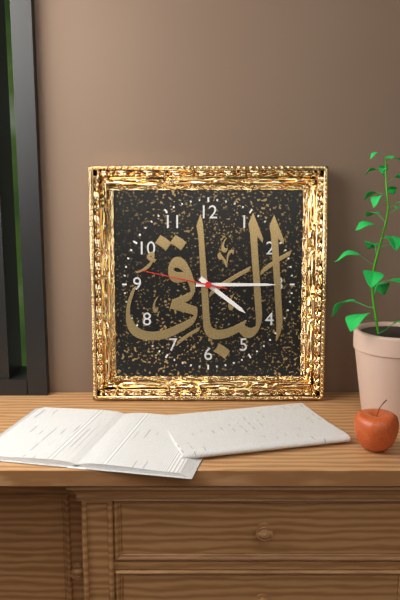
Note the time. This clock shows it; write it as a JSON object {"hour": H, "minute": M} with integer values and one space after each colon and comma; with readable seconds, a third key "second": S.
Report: {"hour": 4, "minute": 15, "second": 47}
